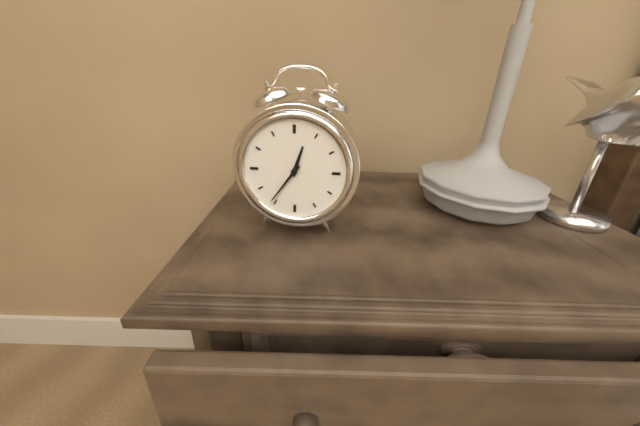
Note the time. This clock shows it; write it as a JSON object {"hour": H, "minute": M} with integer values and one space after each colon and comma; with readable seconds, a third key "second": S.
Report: {"hour": 12, "minute": 36}
